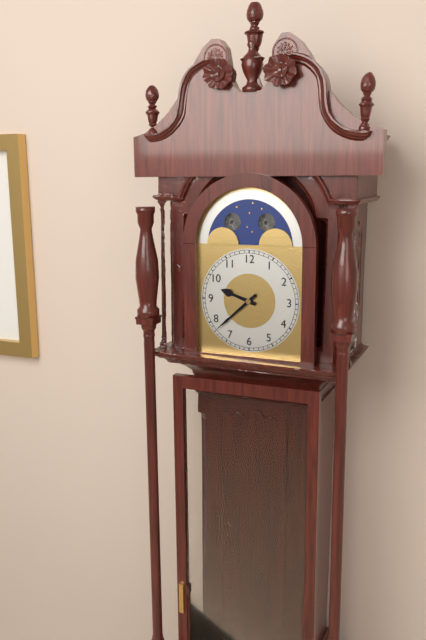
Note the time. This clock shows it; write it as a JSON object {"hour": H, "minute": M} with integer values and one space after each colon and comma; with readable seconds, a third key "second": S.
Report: {"hour": 9, "minute": 38}
